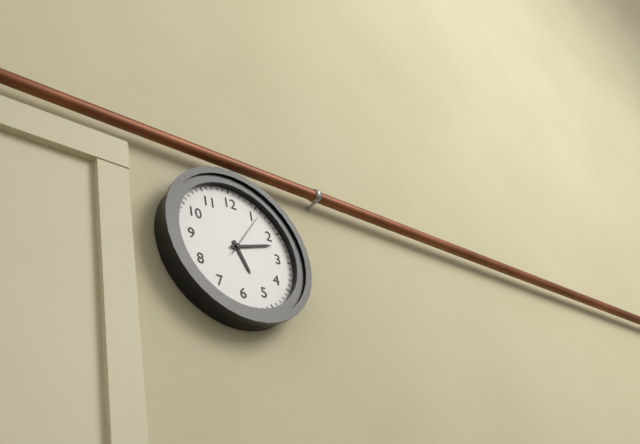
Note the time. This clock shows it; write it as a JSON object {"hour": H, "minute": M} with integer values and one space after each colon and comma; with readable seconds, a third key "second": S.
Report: {"hour": 5, "minute": 12}
